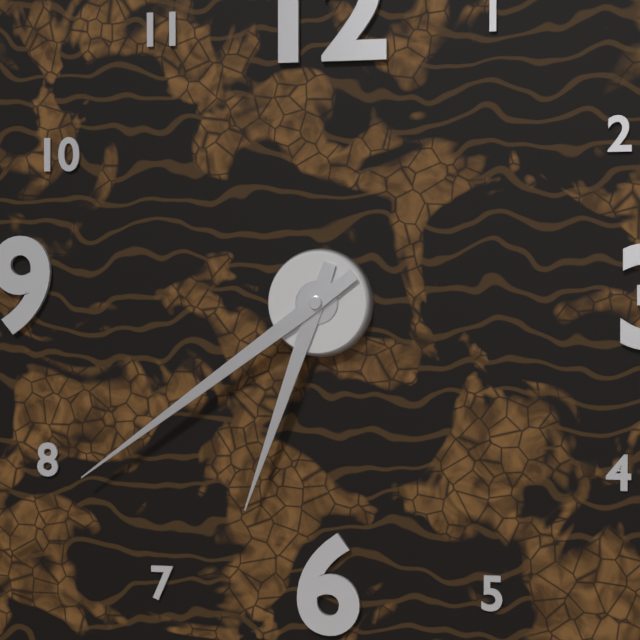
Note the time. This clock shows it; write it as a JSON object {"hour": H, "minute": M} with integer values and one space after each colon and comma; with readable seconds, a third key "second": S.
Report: {"hour": 6, "minute": 39}
